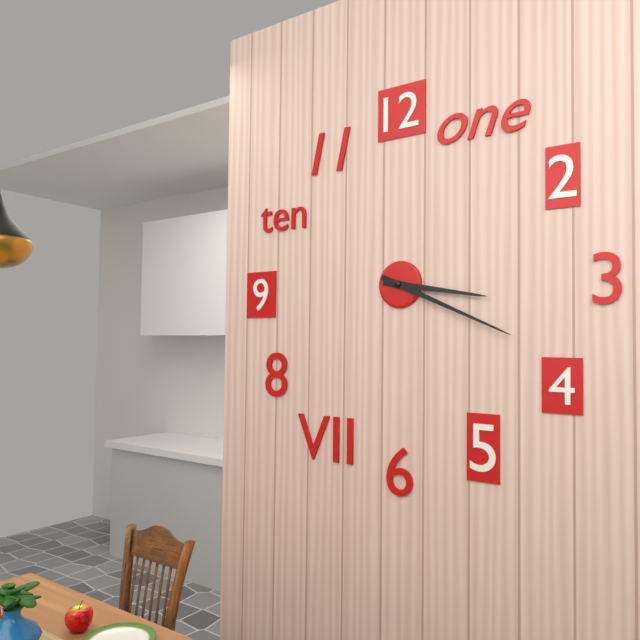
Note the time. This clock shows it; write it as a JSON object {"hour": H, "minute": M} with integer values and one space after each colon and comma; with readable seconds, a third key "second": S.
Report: {"hour": 3, "minute": 19}
